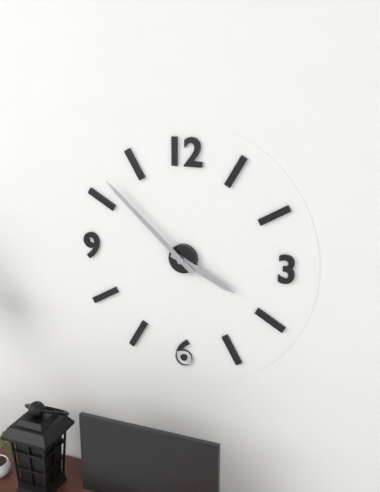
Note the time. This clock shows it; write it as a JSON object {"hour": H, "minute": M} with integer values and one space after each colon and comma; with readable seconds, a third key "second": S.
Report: {"hour": 3, "minute": 52}
